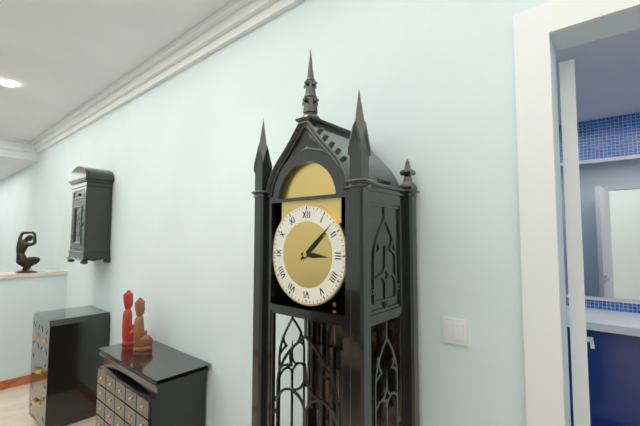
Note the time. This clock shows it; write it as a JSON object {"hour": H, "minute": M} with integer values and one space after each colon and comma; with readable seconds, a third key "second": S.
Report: {"hour": 3, "minute": 8}
